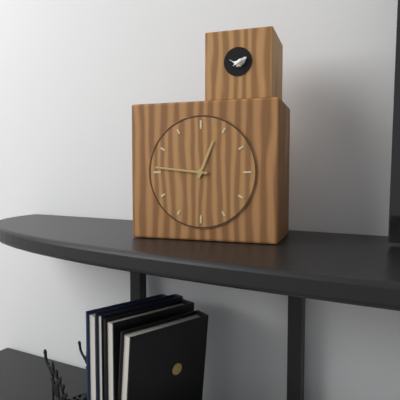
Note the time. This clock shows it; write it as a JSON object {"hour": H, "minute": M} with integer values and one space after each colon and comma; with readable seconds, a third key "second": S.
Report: {"hour": 12, "minute": 46}
